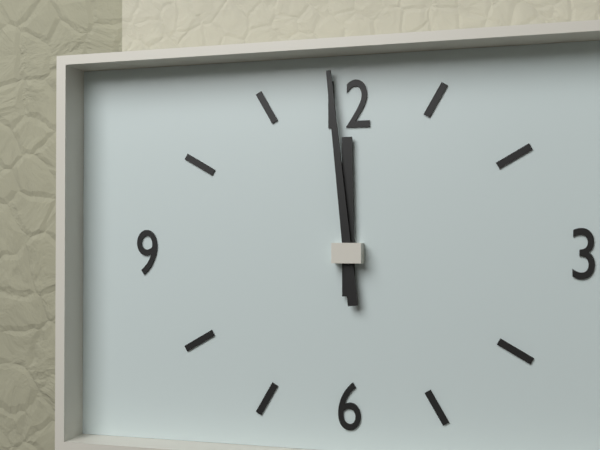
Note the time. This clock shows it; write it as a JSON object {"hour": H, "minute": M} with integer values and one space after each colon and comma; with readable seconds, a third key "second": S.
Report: {"hour": 11, "minute": 59}
